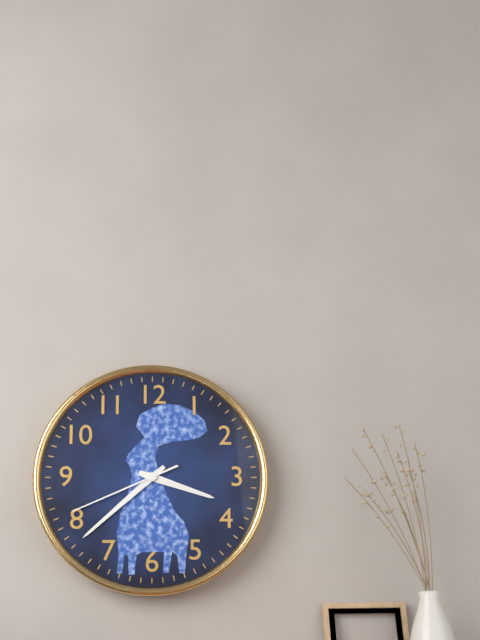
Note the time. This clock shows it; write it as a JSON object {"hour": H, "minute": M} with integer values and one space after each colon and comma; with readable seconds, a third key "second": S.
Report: {"hour": 3, "minute": 38, "second": 41}
